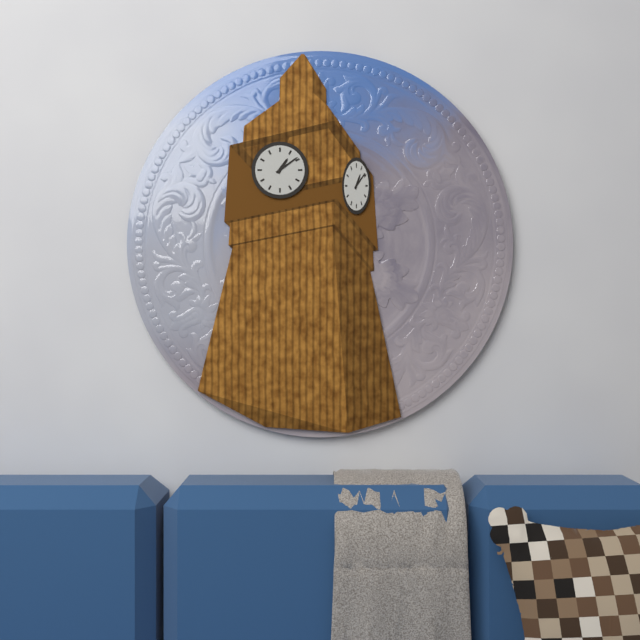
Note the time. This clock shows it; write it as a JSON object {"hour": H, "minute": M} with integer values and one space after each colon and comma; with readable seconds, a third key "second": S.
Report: {"hour": 1, "minute": 9}
